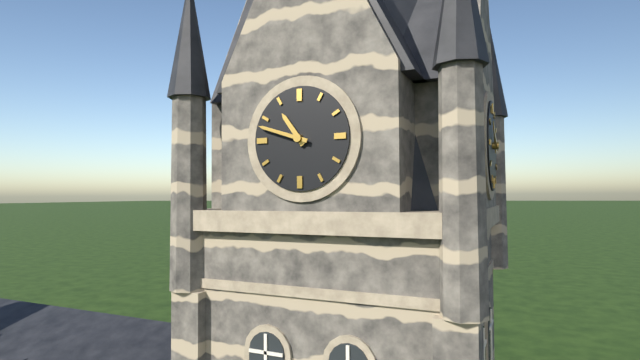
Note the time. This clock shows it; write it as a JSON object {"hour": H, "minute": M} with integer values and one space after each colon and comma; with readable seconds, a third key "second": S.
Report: {"hour": 10, "minute": 48}
